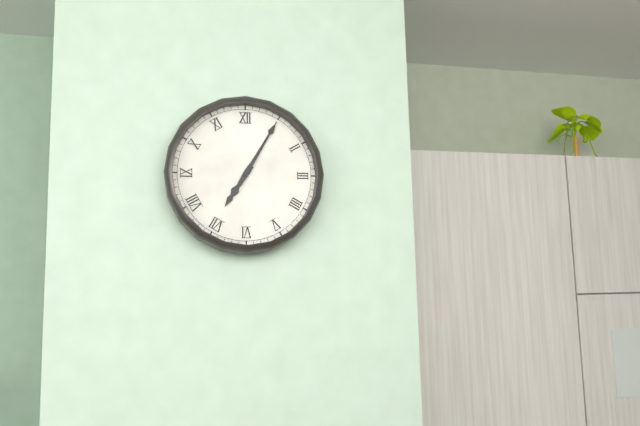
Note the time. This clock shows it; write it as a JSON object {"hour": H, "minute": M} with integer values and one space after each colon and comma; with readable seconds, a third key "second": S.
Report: {"hour": 7, "minute": 5}
